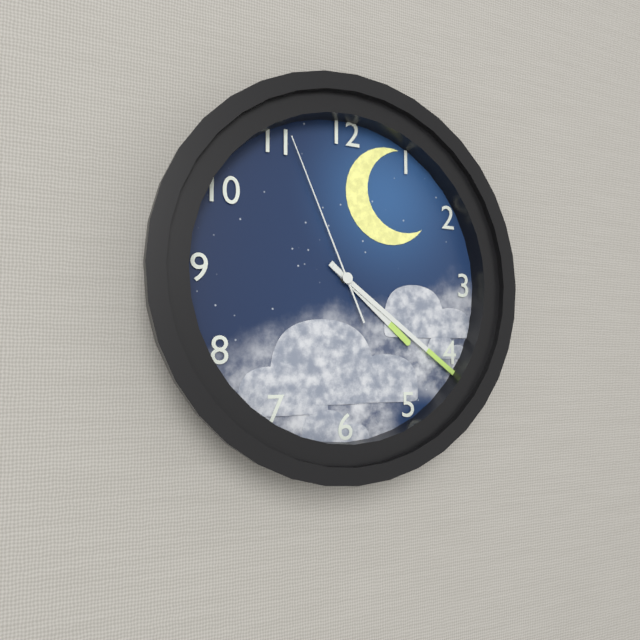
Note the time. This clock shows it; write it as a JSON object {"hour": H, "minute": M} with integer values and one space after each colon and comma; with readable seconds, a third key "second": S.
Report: {"hour": 4, "minute": 21, "second": 56}
